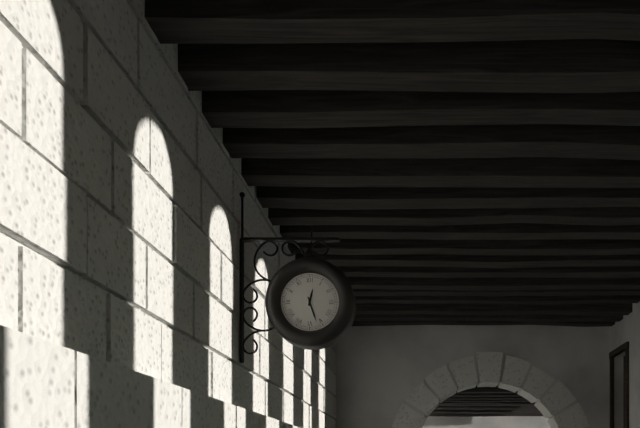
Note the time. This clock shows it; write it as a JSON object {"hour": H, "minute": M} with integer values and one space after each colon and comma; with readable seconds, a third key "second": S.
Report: {"hour": 12, "minute": 27}
